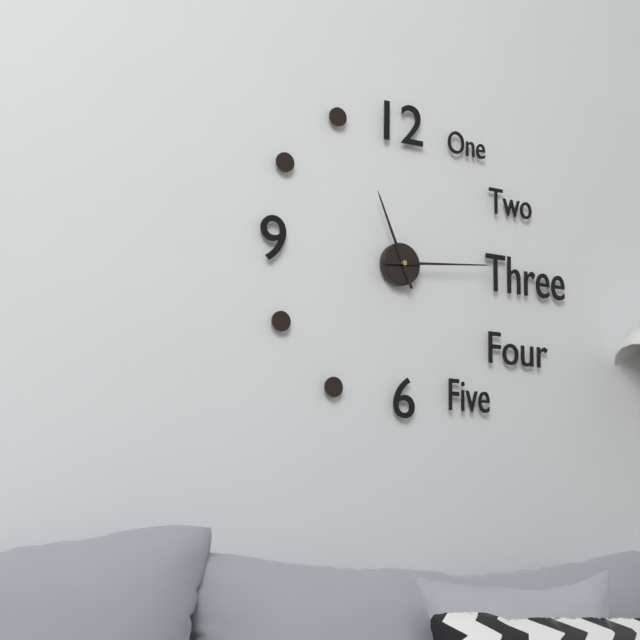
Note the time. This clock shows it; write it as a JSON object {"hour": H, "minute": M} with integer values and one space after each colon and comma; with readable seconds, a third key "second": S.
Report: {"hour": 11, "minute": 14}
